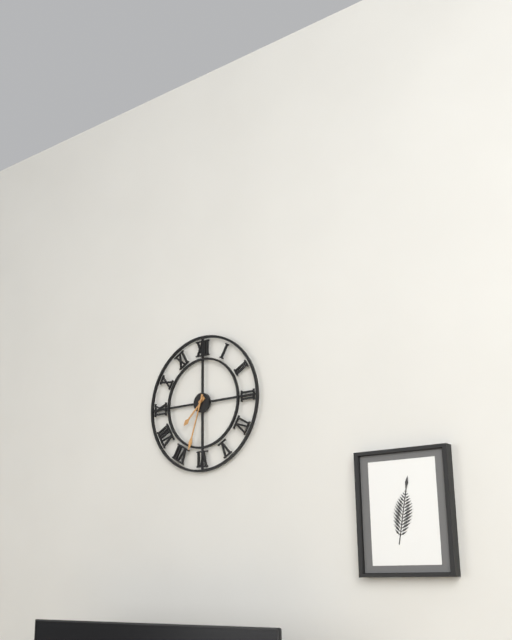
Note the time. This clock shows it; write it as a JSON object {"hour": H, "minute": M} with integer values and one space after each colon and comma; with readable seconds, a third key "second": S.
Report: {"hour": 7, "minute": 33}
